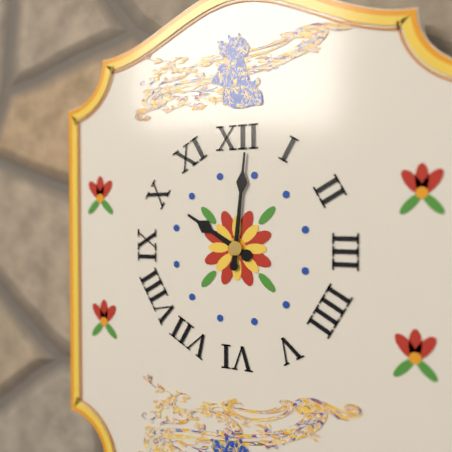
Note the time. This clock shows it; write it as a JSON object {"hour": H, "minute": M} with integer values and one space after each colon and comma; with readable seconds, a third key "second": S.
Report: {"hour": 10, "minute": 1}
